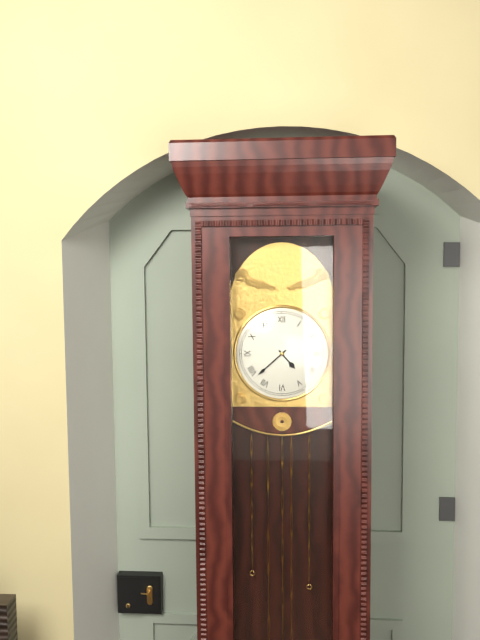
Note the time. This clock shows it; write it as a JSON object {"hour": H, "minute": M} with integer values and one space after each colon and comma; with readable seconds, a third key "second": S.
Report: {"hour": 4, "minute": 38}
